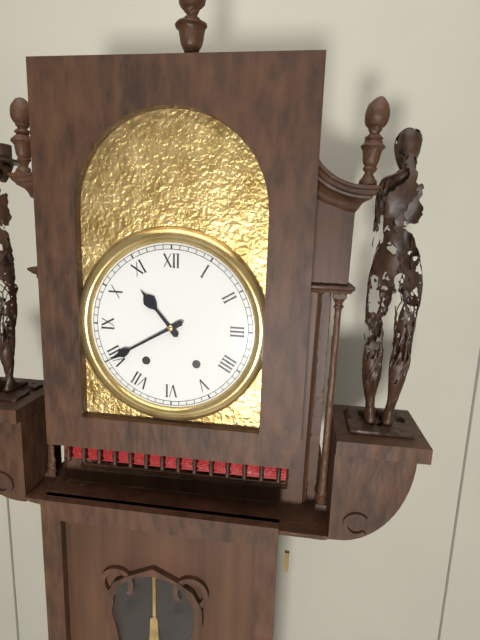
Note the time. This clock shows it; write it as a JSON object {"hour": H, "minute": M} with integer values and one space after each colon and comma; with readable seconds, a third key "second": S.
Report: {"hour": 10, "minute": 40}
